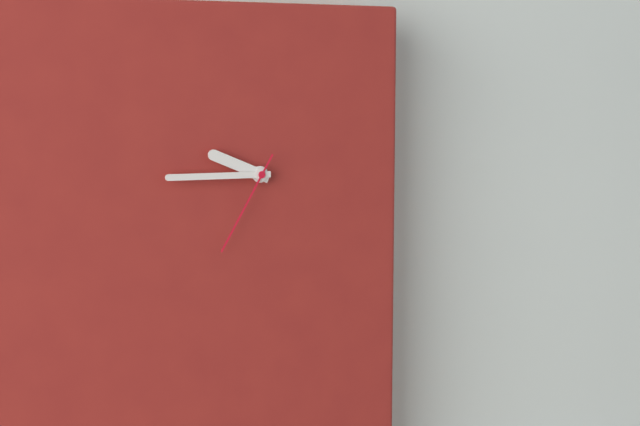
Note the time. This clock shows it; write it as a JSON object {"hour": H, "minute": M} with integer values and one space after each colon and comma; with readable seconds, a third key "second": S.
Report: {"hour": 9, "minute": 45, "second": 35}
